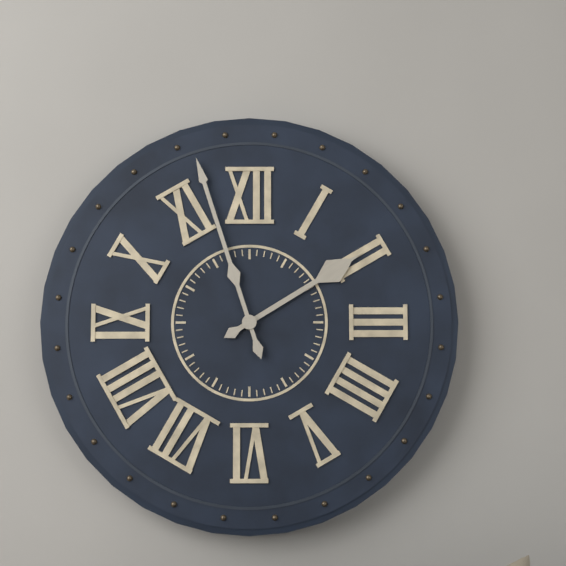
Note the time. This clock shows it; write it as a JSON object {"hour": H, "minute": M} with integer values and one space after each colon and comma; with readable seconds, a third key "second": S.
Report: {"hour": 1, "minute": 57}
